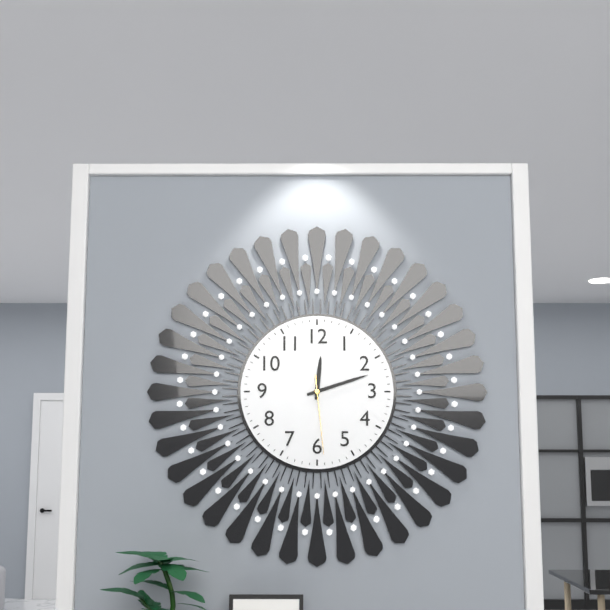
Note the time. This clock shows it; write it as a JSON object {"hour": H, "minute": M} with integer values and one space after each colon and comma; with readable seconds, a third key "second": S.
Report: {"hour": 12, "minute": 12, "second": 29}
